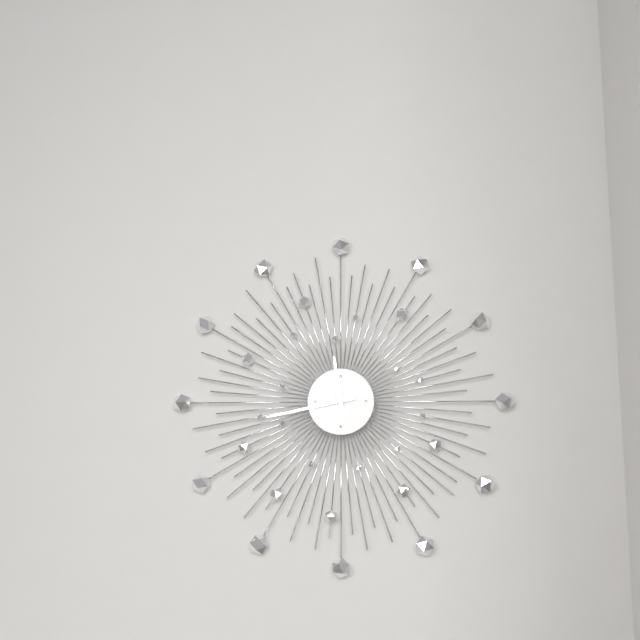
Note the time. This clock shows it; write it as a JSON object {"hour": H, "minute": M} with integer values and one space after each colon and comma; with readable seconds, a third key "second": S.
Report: {"hour": 11, "minute": 43}
